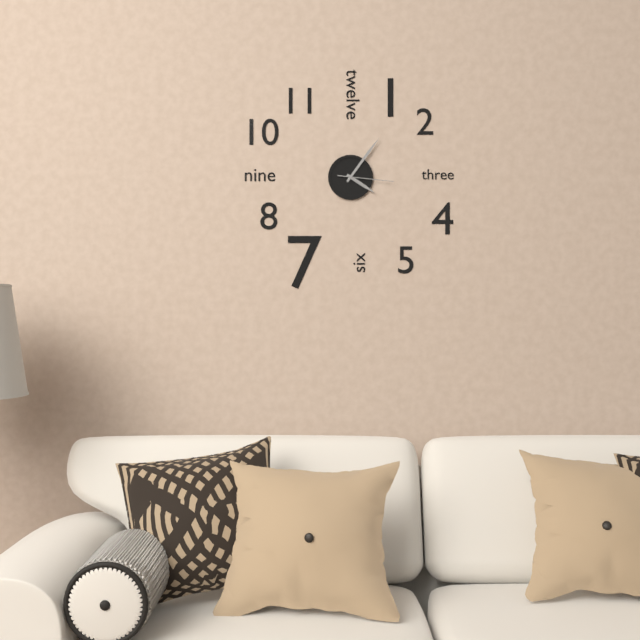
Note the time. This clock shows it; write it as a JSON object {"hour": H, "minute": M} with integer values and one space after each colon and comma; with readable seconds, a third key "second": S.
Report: {"hour": 4, "minute": 6, "second": 16}
